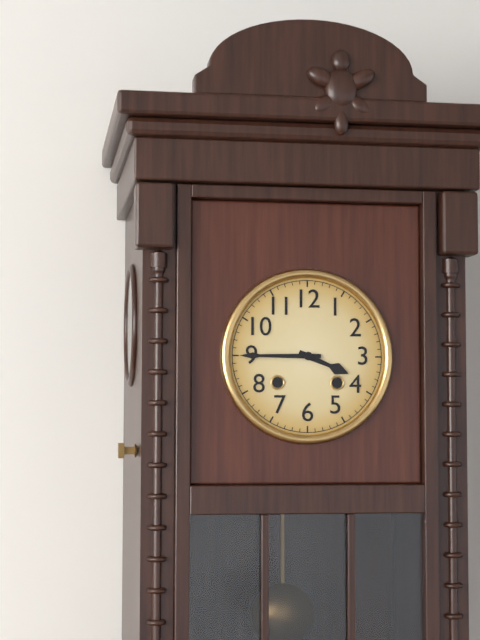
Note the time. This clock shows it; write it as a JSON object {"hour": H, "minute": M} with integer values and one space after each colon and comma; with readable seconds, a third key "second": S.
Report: {"hour": 3, "minute": 45}
